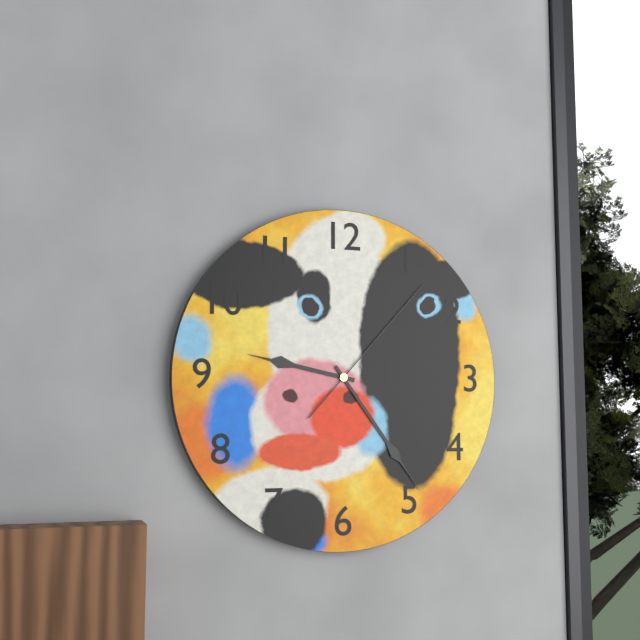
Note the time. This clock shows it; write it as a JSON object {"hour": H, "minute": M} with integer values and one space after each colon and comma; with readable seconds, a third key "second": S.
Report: {"hour": 9, "minute": 24, "second": 7}
